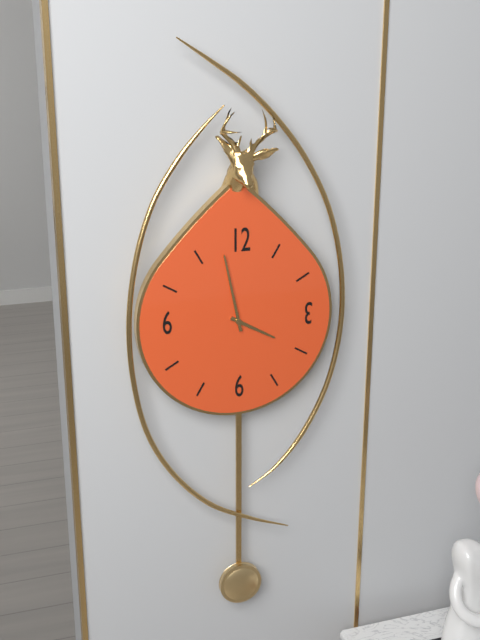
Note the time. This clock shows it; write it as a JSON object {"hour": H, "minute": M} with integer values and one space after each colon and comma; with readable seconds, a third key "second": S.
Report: {"hour": 3, "minute": 58}
